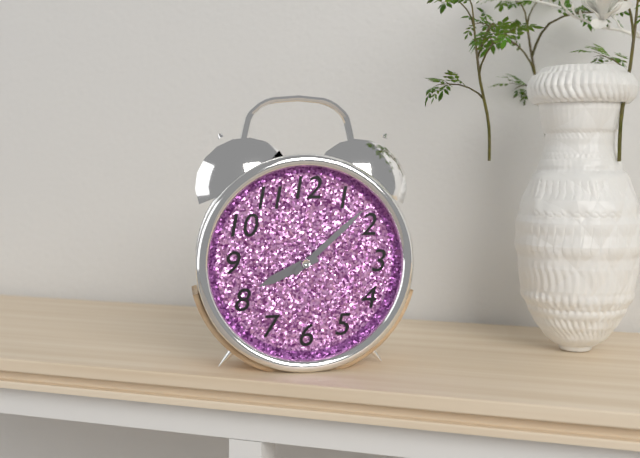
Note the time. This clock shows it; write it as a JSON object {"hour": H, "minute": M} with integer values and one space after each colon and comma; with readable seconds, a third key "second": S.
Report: {"hour": 8, "minute": 8}
